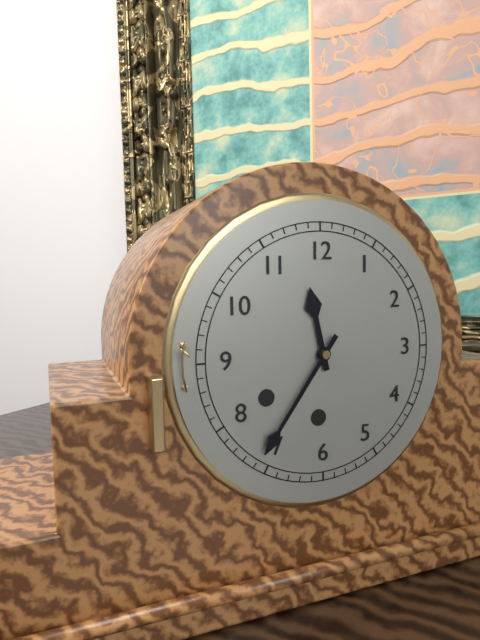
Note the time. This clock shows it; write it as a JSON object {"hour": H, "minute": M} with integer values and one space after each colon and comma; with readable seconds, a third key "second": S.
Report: {"hour": 11, "minute": 36}
